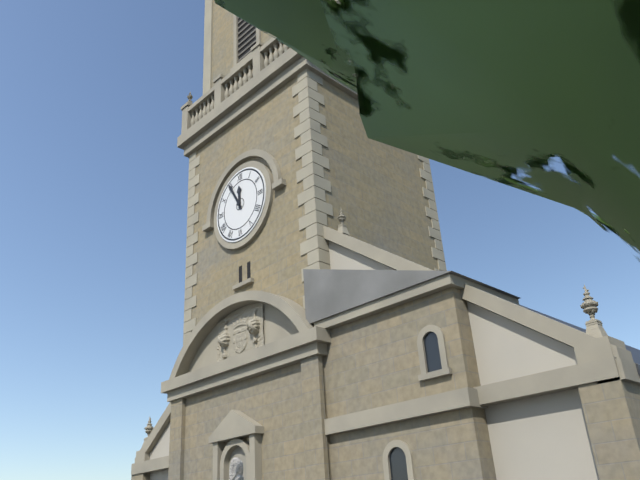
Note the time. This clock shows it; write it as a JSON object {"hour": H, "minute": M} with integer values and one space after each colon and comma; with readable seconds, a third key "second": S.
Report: {"hour": 11, "minute": 55}
